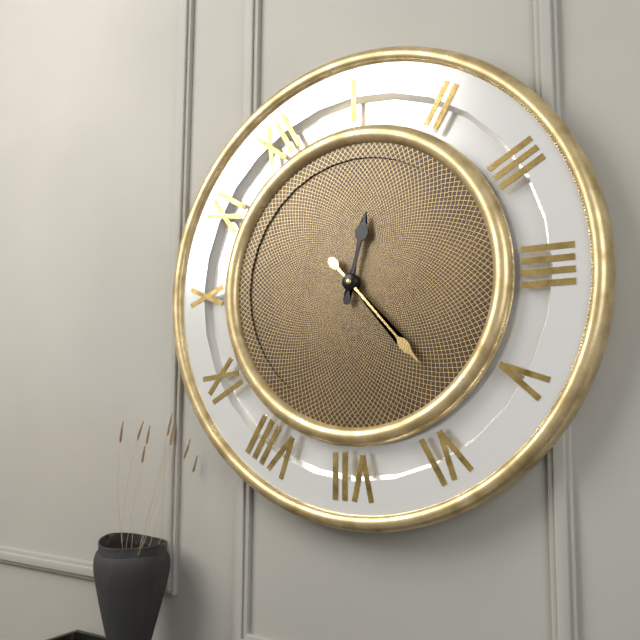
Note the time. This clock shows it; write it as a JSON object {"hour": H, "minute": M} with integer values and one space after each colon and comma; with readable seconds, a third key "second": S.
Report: {"hour": 1, "minute": 28}
